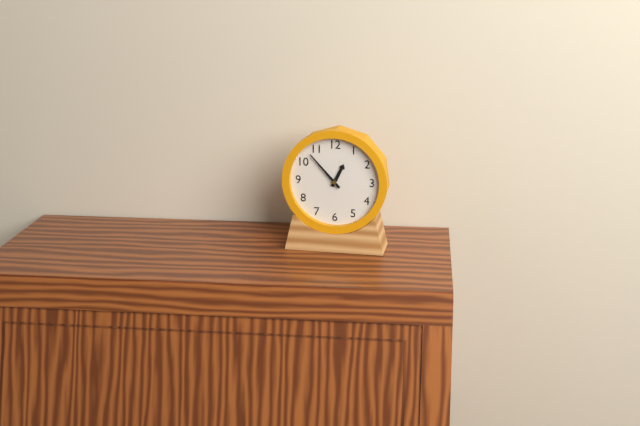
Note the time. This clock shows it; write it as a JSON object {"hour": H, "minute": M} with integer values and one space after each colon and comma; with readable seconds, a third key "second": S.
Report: {"hour": 12, "minute": 53}
